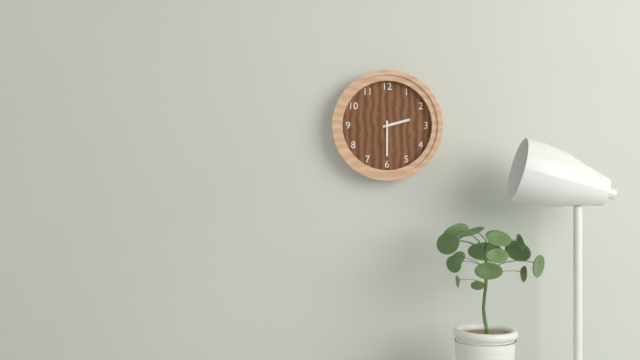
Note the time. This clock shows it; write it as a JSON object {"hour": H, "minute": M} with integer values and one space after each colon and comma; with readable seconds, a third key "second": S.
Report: {"hour": 2, "minute": 30}
